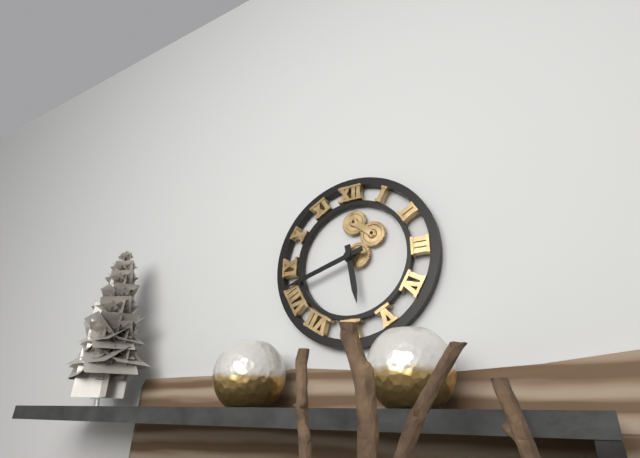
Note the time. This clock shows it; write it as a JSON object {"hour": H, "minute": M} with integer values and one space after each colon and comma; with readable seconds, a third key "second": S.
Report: {"hour": 5, "minute": 42}
